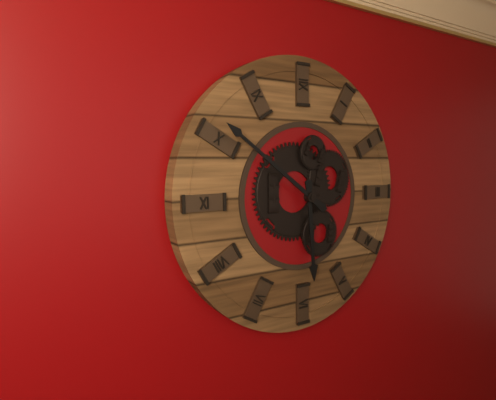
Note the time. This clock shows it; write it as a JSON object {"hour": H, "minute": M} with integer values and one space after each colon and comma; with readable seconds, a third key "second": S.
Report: {"hour": 5, "minute": 51}
